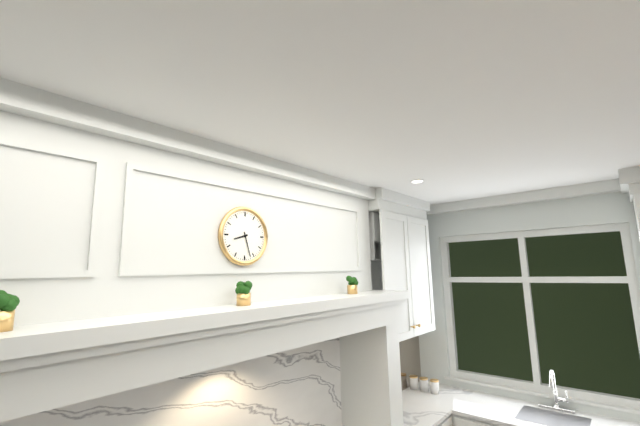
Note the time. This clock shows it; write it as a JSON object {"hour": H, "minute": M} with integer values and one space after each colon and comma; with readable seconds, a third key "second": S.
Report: {"hour": 8, "minute": 27}
